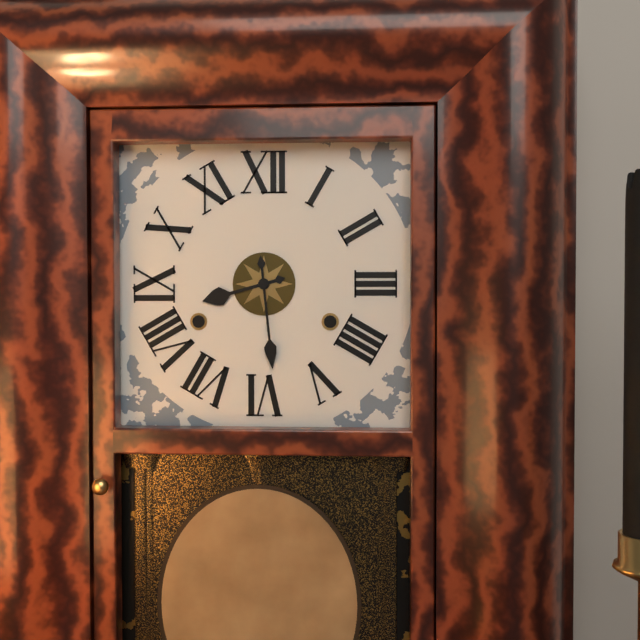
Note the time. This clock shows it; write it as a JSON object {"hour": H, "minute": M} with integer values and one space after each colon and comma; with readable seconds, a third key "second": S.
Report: {"hour": 8, "minute": 29}
